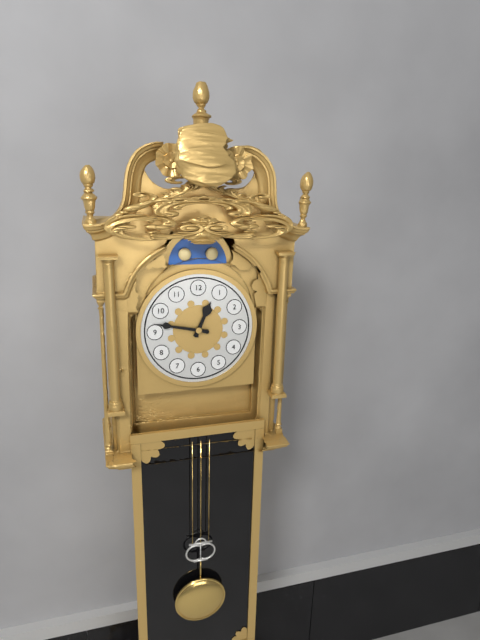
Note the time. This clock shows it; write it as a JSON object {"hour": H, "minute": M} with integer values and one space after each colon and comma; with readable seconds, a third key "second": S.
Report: {"hour": 12, "minute": 47}
